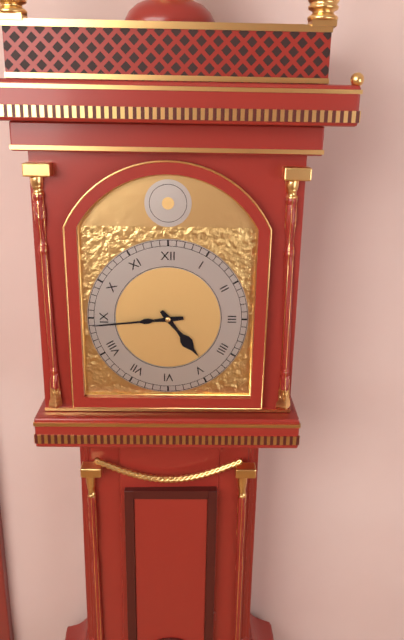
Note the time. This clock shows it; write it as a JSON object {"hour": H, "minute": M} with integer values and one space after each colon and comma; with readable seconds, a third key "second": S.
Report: {"hour": 4, "minute": 44}
